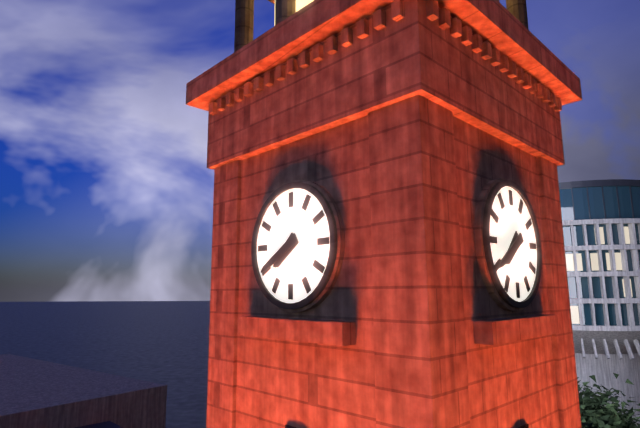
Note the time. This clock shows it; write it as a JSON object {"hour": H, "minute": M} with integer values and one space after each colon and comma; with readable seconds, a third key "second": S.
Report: {"hour": 7, "minute": 40}
